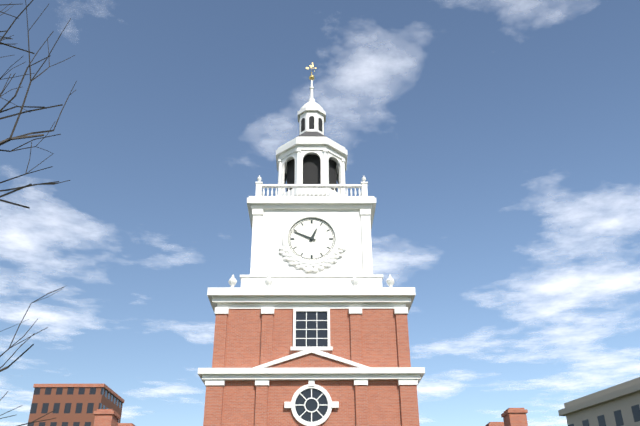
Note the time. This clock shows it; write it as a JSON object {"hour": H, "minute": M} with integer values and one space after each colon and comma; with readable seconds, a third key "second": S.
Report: {"hour": 12, "minute": 49}
